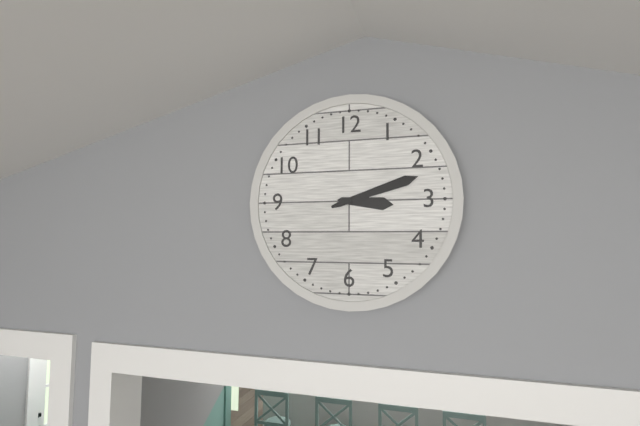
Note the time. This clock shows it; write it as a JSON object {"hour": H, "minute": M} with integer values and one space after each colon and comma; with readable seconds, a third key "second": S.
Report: {"hour": 3, "minute": 12}
